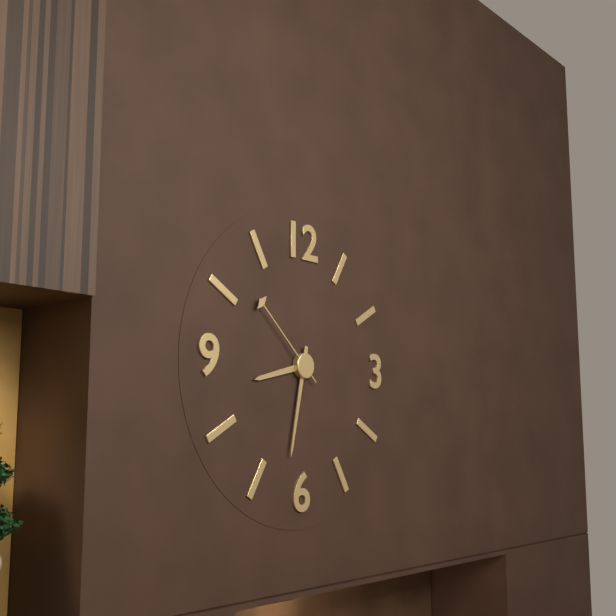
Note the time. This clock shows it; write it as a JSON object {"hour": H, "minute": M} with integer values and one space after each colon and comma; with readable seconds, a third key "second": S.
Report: {"hour": 8, "minute": 32, "second": 52}
